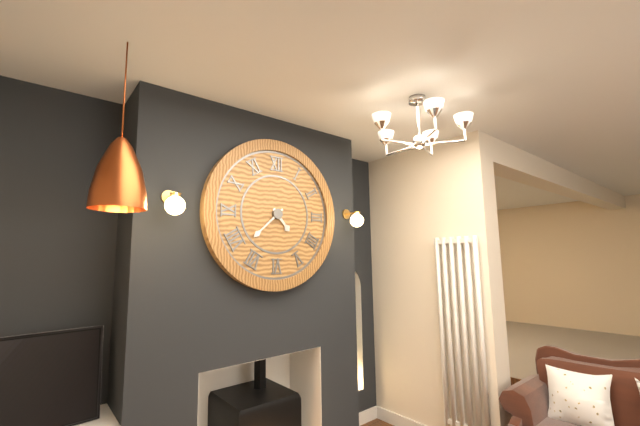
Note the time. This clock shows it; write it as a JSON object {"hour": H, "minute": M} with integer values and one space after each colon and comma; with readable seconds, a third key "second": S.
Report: {"hour": 4, "minute": 38}
